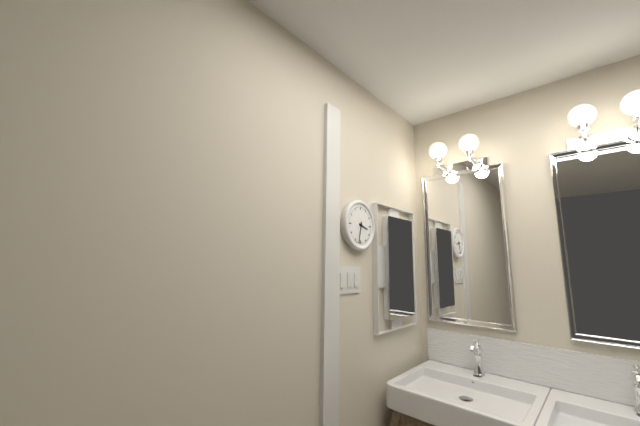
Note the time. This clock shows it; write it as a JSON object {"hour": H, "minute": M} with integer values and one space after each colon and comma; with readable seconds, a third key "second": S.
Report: {"hour": 3, "minute": 32}
